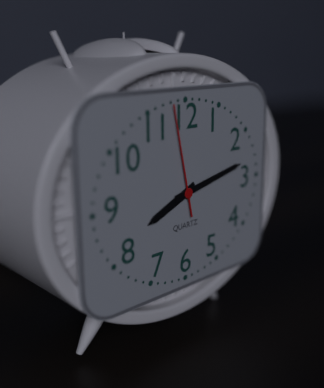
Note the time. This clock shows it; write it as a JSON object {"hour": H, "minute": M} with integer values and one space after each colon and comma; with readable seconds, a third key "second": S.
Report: {"hour": 8, "minute": 13, "second": 58}
